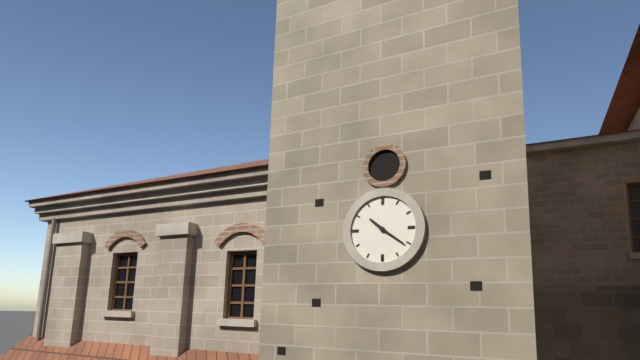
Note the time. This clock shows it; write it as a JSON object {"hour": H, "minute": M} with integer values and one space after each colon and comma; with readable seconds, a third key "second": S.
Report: {"hour": 10, "minute": 21}
